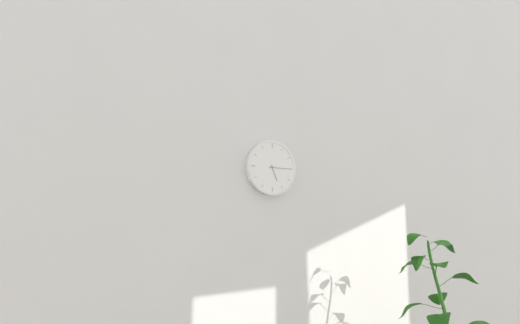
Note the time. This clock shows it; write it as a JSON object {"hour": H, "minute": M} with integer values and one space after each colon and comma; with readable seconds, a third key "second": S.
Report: {"hour": 5, "minute": 15}
